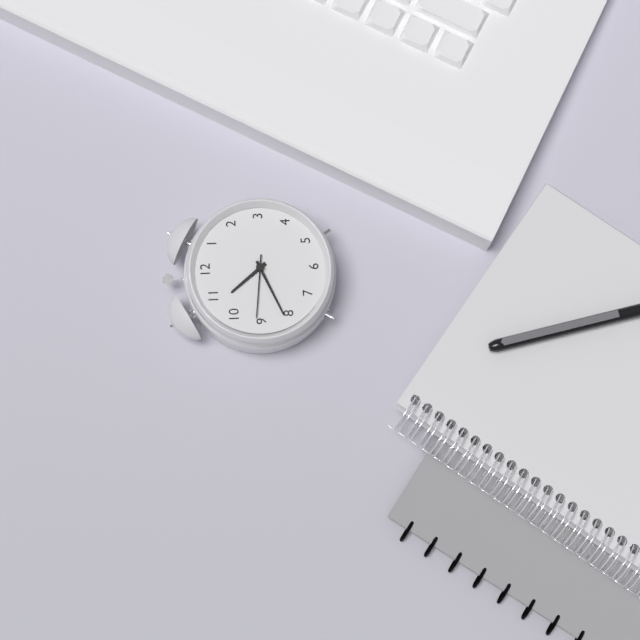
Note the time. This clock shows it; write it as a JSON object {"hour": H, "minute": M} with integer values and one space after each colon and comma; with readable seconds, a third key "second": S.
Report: {"hour": 10, "minute": 41}
